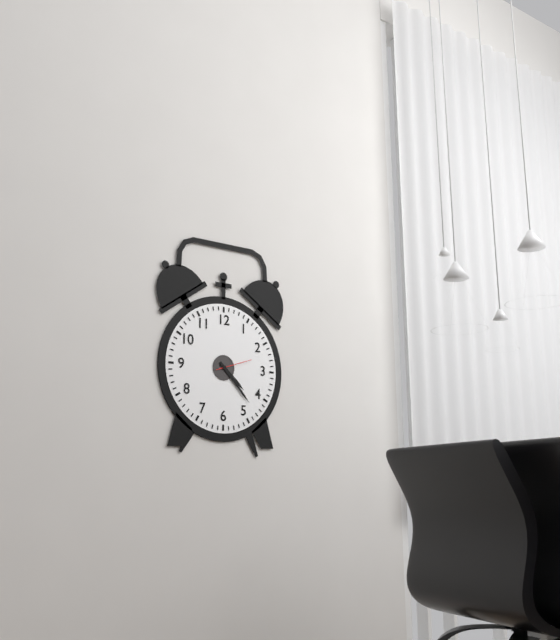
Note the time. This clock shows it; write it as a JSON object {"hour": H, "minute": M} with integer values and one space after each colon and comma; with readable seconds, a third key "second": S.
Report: {"hour": 4, "minute": 23}
